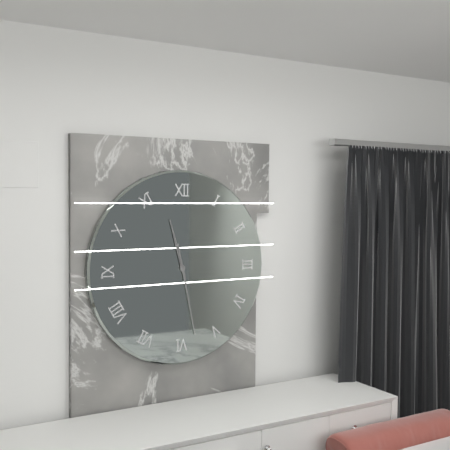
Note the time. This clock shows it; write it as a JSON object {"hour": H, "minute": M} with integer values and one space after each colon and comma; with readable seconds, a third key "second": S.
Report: {"hour": 11, "minute": 28}
